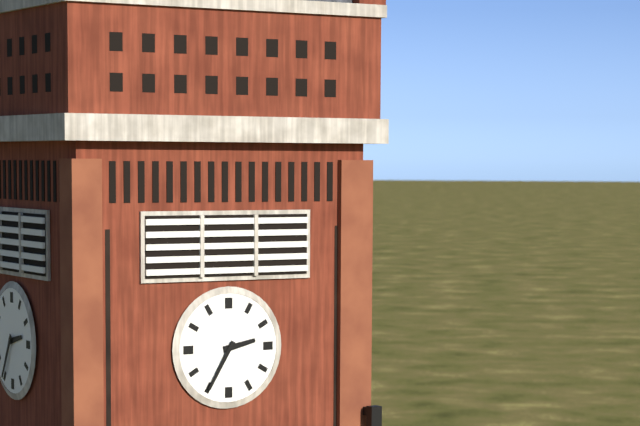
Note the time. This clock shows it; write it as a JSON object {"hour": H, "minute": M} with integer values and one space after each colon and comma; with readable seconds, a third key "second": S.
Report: {"hour": 2, "minute": 35}
